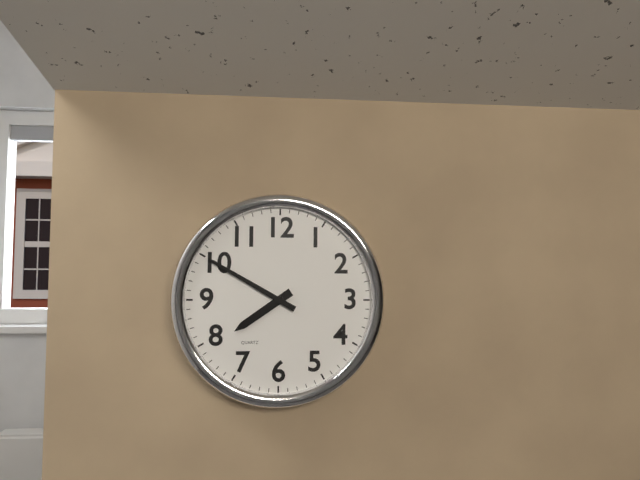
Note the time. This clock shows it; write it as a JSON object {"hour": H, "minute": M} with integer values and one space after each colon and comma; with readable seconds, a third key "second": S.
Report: {"hour": 7, "minute": 50}
